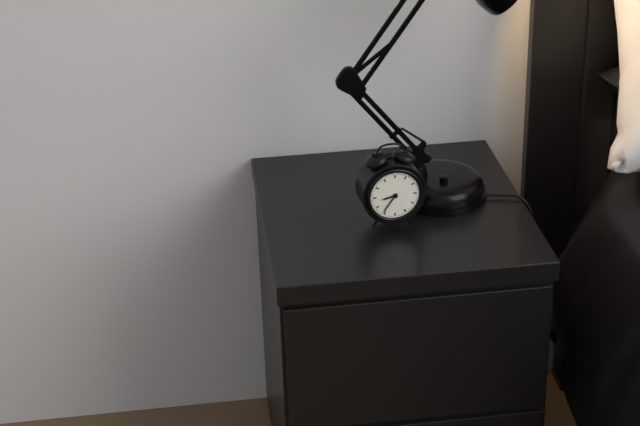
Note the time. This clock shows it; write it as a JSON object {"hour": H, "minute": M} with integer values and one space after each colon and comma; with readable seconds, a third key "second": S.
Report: {"hour": 8, "minute": 36}
